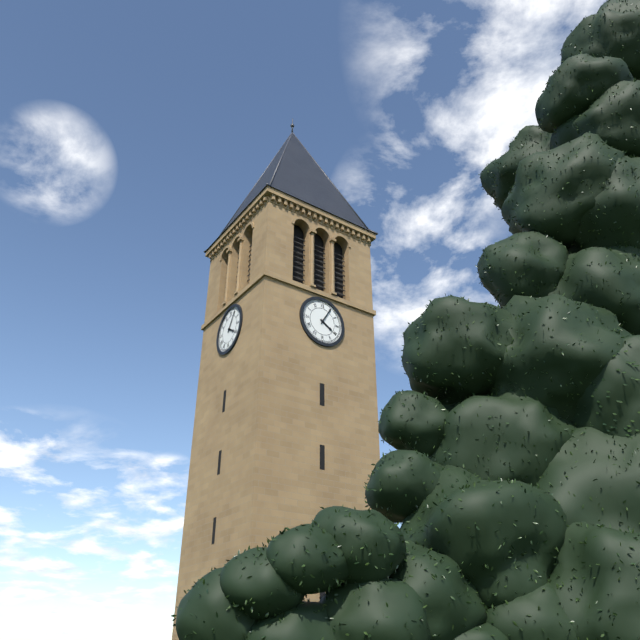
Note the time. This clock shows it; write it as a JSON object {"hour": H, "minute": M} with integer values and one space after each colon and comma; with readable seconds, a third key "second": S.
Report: {"hour": 4, "minute": 5}
